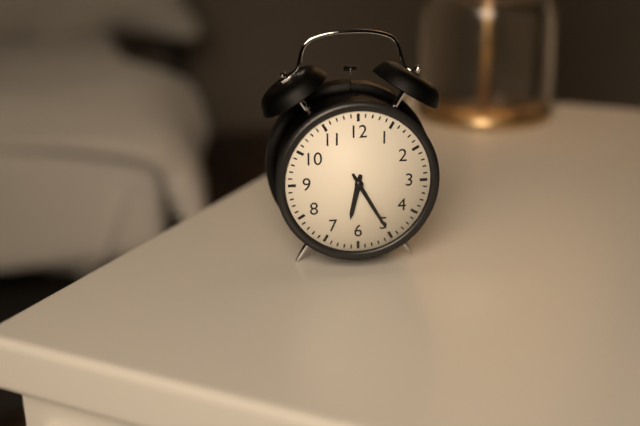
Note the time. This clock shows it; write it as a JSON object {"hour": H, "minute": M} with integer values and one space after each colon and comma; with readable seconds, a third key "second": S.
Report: {"hour": 6, "minute": 25}
